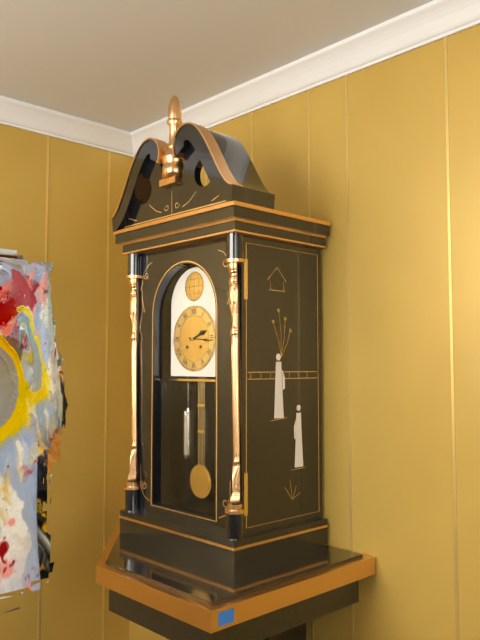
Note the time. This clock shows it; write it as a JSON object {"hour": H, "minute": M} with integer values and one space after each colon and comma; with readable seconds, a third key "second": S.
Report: {"hour": 2, "minute": 16}
